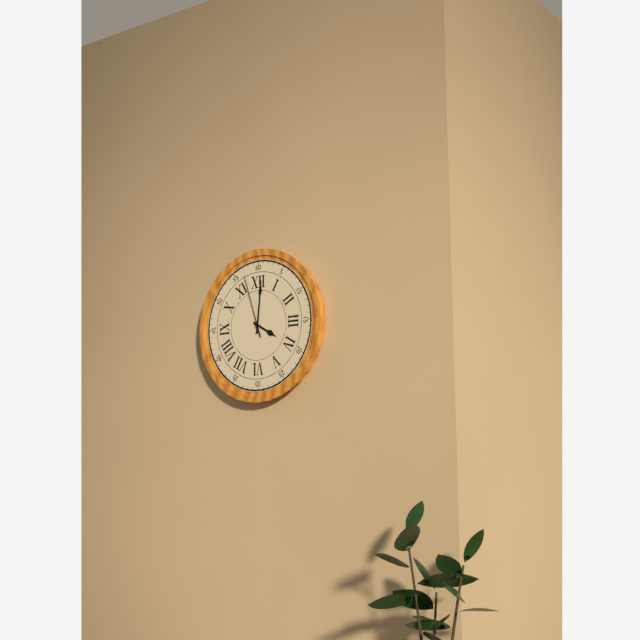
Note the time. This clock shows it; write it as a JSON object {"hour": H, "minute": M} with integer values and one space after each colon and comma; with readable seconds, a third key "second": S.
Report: {"hour": 4, "minute": 1, "second": 57}
